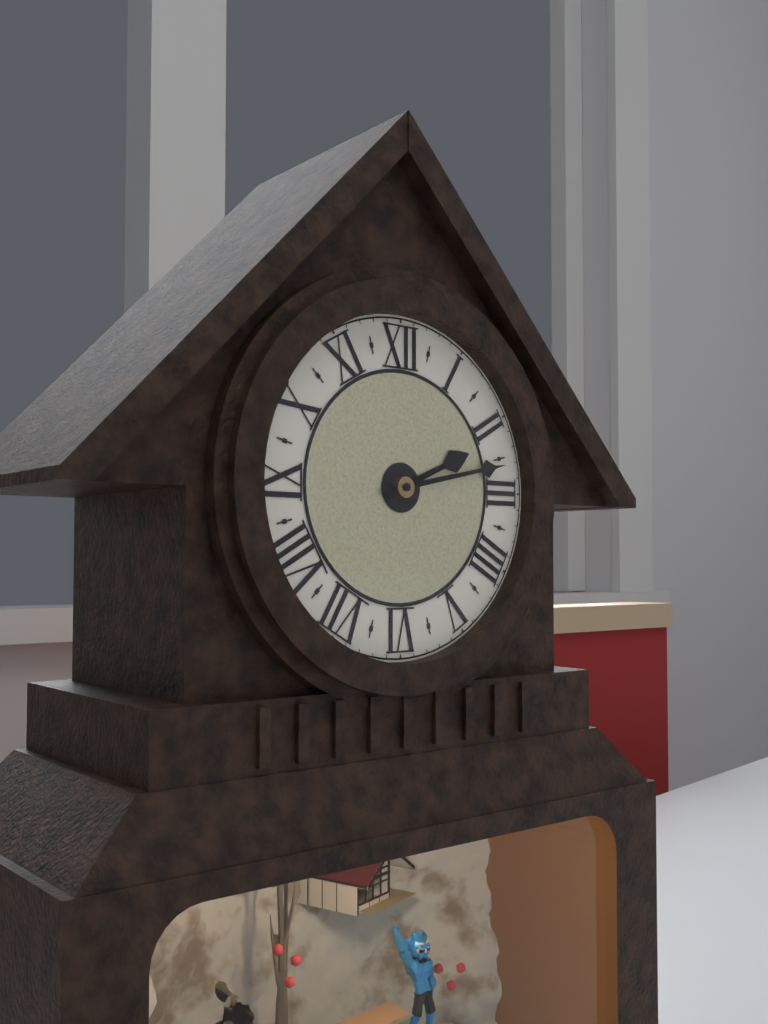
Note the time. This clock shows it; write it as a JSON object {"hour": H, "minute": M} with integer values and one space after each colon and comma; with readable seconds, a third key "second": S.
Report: {"hour": 2, "minute": 13}
